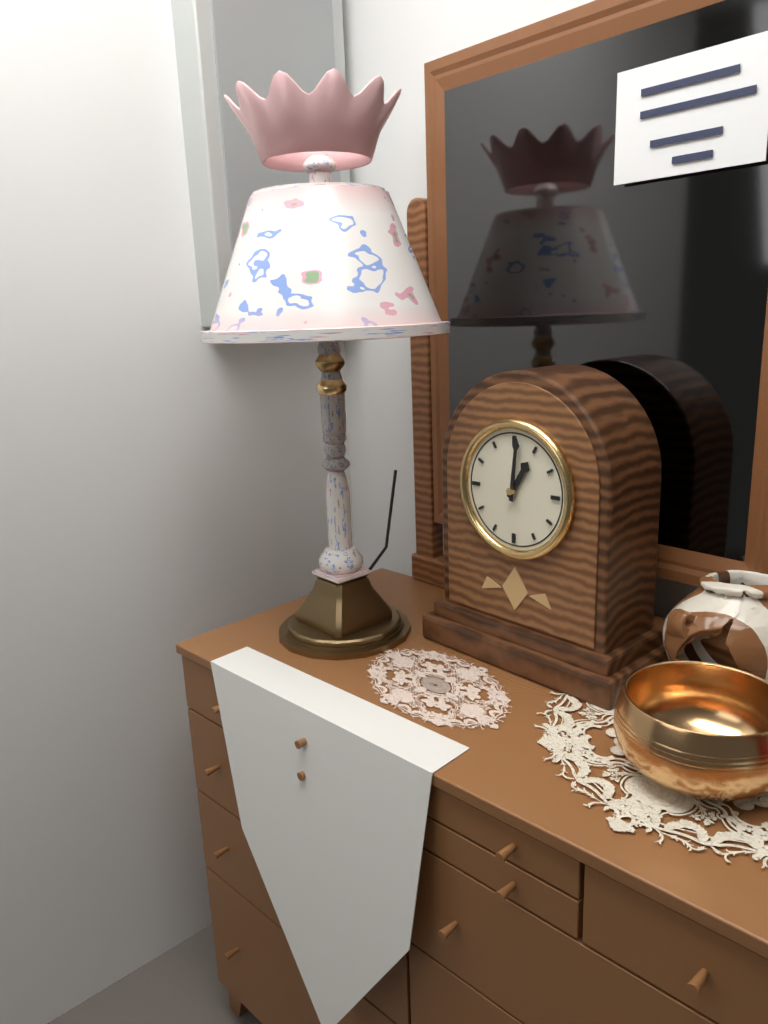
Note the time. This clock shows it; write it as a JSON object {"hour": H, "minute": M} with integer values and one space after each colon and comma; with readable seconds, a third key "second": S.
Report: {"hour": 1, "minute": 1}
